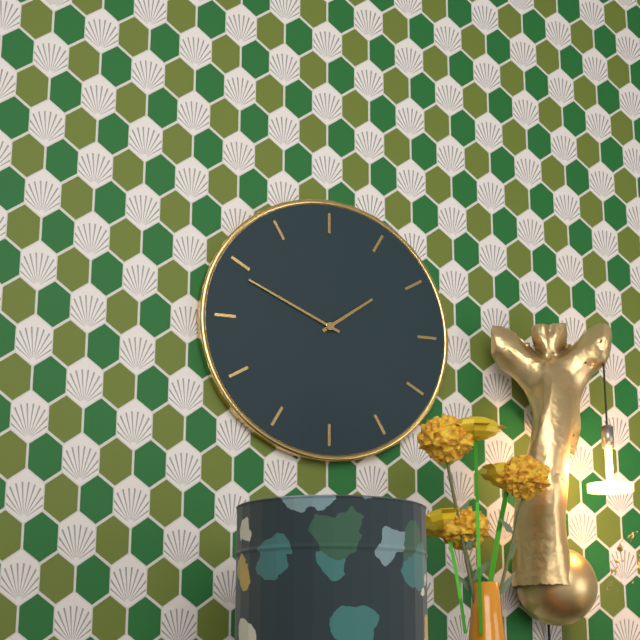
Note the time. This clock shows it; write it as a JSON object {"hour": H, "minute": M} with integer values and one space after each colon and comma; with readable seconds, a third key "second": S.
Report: {"hour": 1, "minute": 49}
